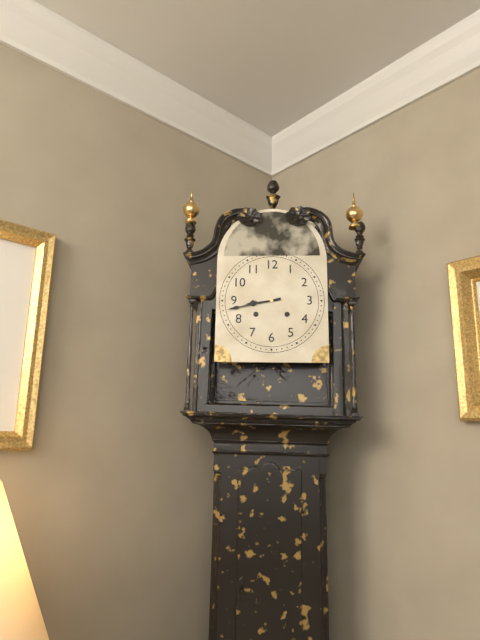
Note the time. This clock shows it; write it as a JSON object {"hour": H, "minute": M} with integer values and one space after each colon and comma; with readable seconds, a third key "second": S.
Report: {"hour": 8, "minute": 43}
